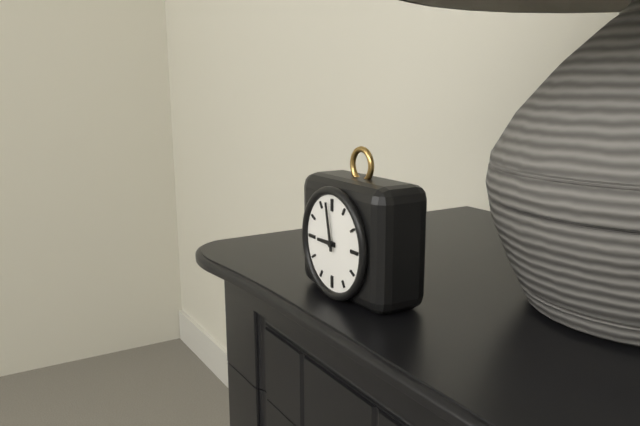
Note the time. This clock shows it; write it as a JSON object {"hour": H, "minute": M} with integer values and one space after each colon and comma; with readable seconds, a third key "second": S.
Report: {"hour": 8, "minute": 58}
